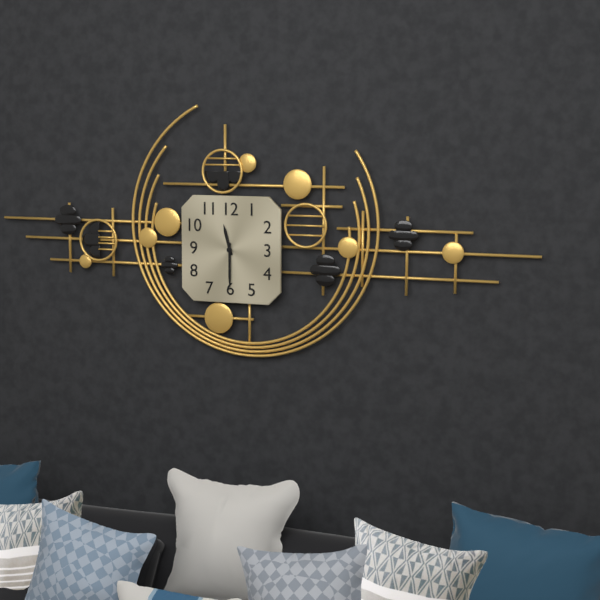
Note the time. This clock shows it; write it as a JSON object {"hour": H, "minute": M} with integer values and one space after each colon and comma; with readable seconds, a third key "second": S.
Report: {"hour": 11, "minute": 30}
